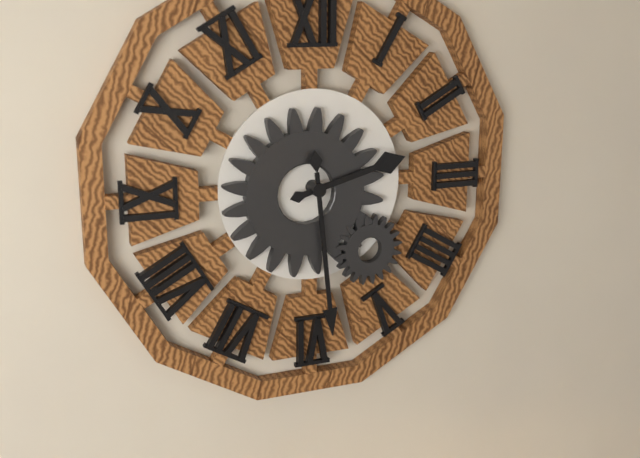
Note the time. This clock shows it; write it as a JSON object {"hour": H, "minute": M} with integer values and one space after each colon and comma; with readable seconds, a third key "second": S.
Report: {"hour": 2, "minute": 29}
